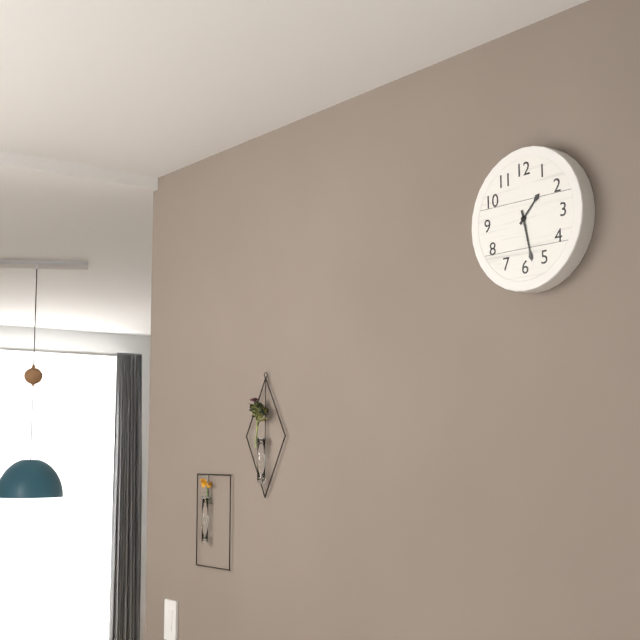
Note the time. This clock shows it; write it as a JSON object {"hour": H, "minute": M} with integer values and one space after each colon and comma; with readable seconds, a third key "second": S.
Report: {"hour": 1, "minute": 28}
